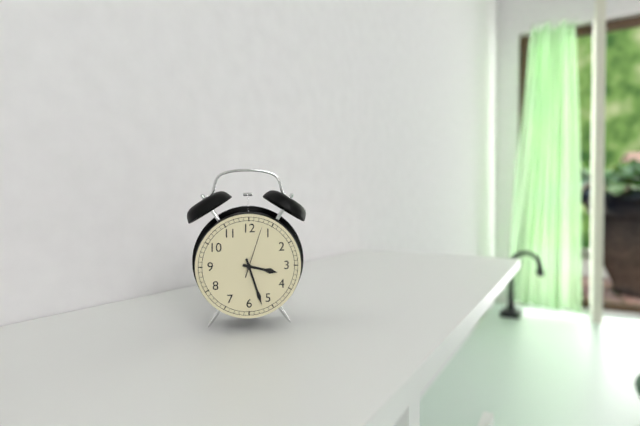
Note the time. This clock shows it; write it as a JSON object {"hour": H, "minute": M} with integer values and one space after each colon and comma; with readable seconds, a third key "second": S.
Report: {"hour": 3, "minute": 27, "second": 3}
